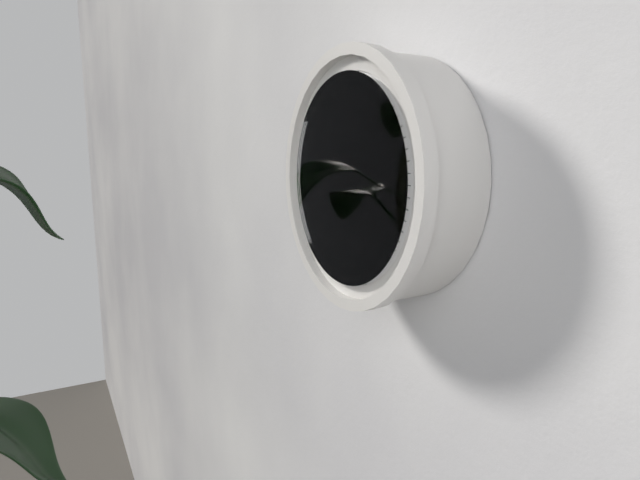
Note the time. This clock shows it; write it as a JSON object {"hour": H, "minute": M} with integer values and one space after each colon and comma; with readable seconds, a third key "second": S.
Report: {"hour": 12, "minute": 57, "second": 24}
